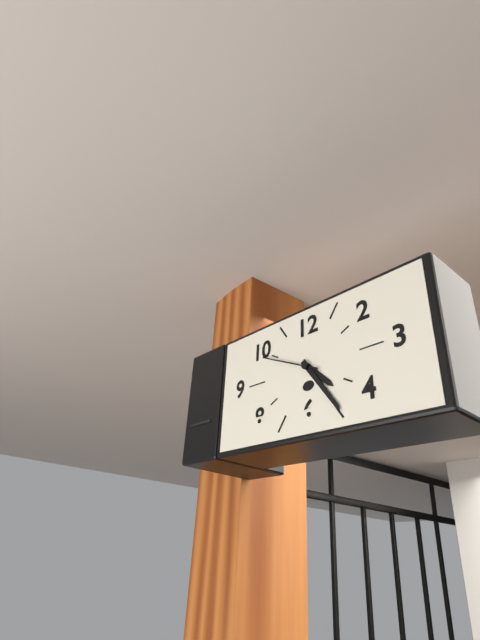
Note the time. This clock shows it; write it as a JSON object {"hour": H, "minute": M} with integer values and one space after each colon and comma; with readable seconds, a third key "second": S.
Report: {"hour": 4, "minute": 24, "second": 49}
